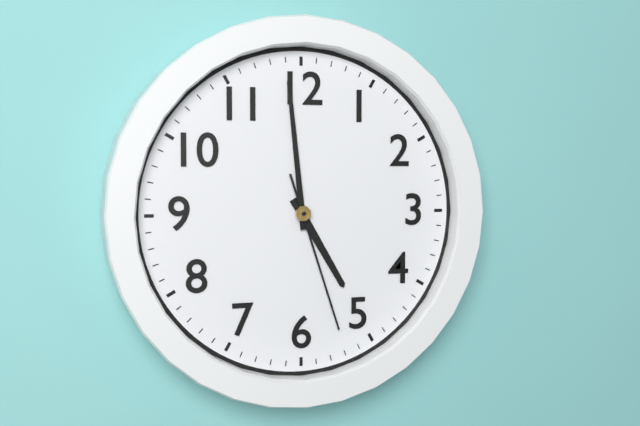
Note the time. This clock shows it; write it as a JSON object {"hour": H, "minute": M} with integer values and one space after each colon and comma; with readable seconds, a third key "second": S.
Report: {"hour": 4, "minute": 59, "second": 27}
